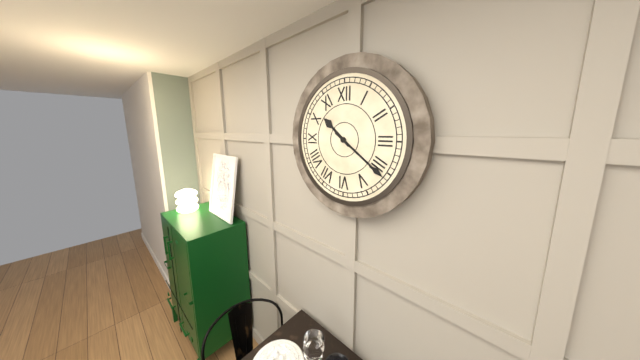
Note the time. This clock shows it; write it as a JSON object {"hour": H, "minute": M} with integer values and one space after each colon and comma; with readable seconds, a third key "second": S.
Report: {"hour": 10, "minute": 21}
